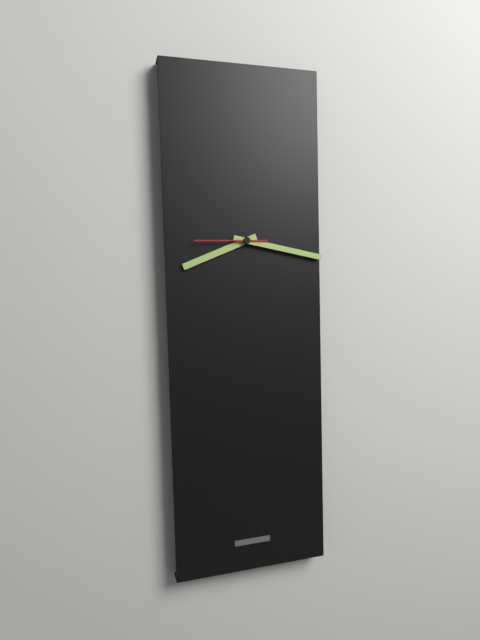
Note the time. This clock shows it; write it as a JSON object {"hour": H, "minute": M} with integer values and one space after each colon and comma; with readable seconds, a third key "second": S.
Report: {"hour": 8, "minute": 17, "second": 45}
